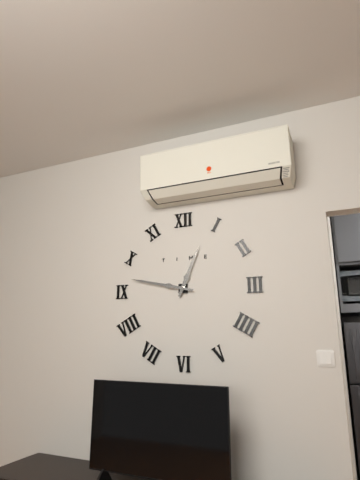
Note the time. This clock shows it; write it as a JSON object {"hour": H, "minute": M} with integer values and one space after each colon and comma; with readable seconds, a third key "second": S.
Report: {"hour": 12, "minute": 47}
